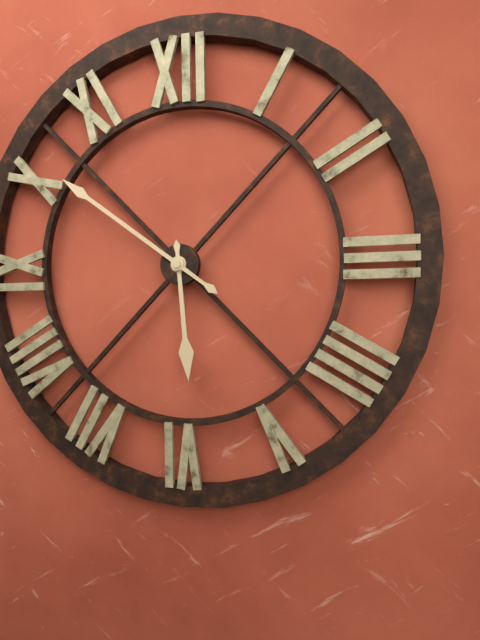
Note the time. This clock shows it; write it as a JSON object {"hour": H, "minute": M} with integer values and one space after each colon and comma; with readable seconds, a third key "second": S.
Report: {"hour": 5, "minute": 51}
